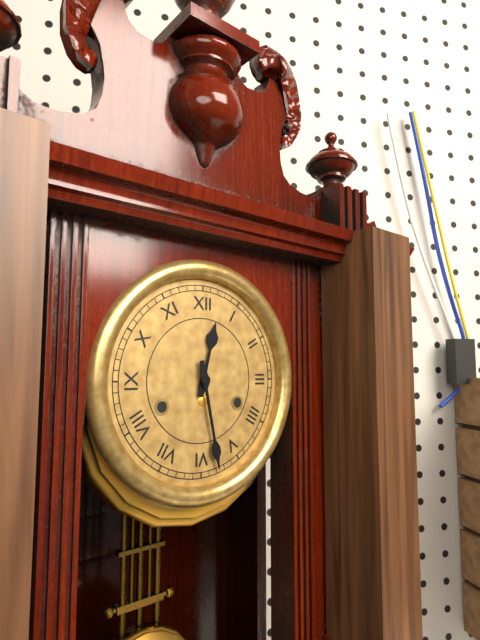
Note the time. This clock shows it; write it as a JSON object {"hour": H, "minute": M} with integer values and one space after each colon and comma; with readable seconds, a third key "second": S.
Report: {"hour": 12, "minute": 28}
